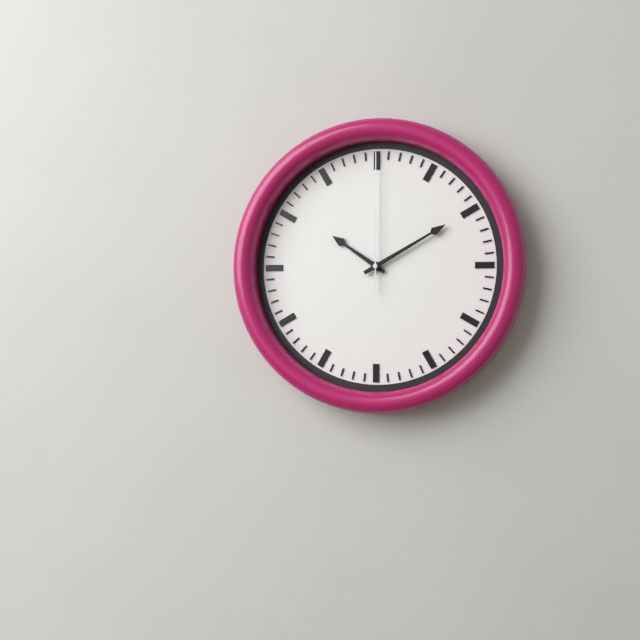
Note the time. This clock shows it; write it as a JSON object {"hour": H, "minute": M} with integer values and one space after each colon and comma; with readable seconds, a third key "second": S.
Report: {"hour": 10, "minute": 10, "second": 0}
